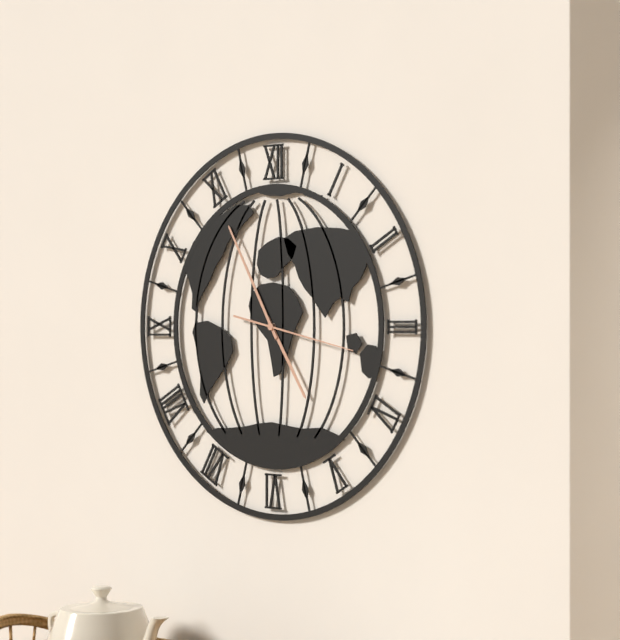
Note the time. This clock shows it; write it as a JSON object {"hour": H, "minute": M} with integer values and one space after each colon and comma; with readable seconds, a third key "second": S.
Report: {"hour": 4, "minute": 55, "second": 17}
